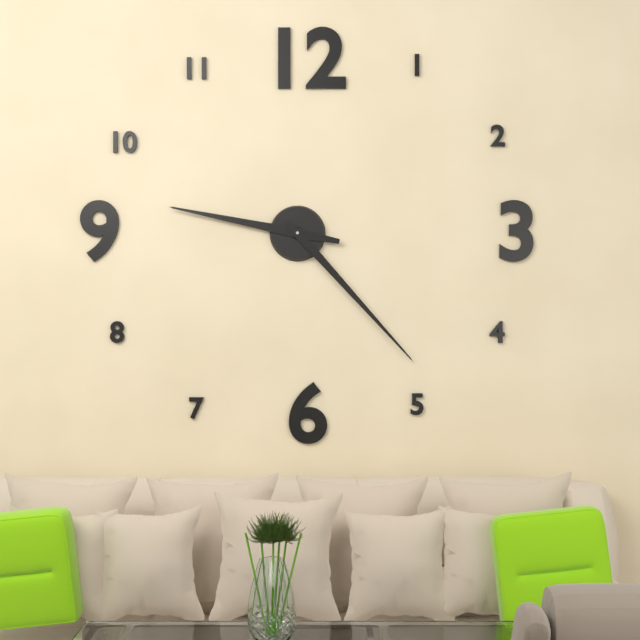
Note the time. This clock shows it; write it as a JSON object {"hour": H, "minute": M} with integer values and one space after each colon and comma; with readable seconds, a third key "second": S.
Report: {"hour": 9, "minute": 23}
